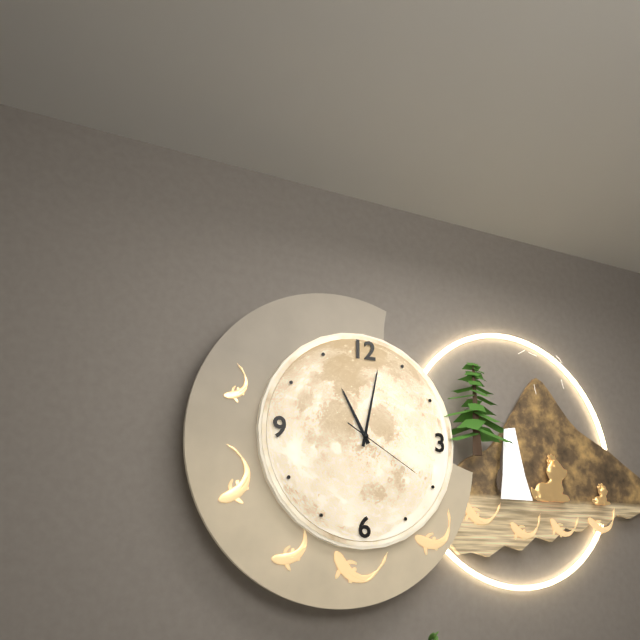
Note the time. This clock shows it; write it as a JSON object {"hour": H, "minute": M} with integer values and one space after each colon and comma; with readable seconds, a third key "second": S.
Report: {"hour": 11, "minute": 2, "second": 20}
